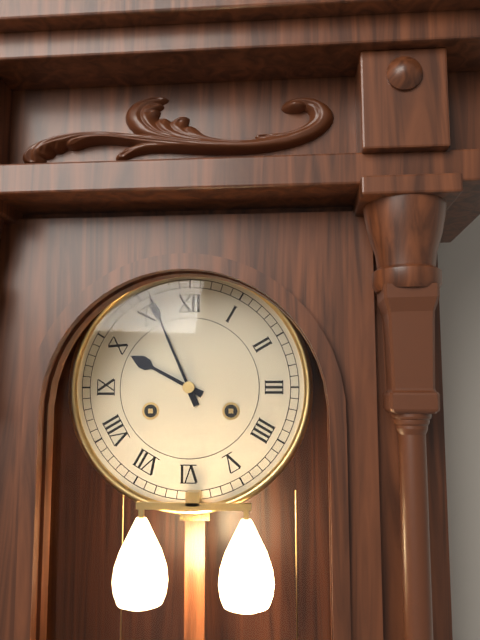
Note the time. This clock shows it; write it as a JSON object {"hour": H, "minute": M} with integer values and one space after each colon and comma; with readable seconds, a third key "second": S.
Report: {"hour": 9, "minute": 56}
